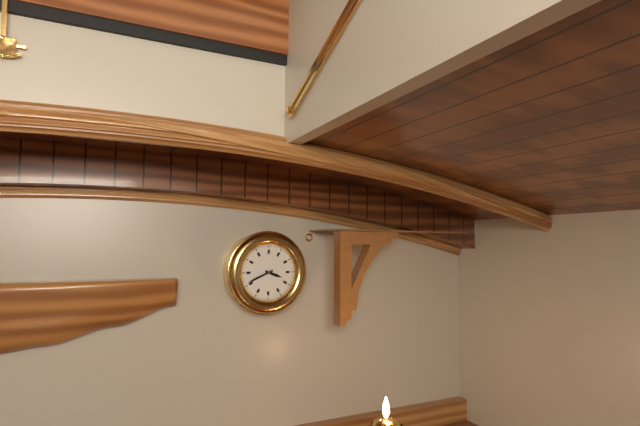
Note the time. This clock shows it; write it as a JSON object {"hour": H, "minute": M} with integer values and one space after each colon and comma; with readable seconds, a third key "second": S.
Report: {"hour": 3, "minute": 41}
